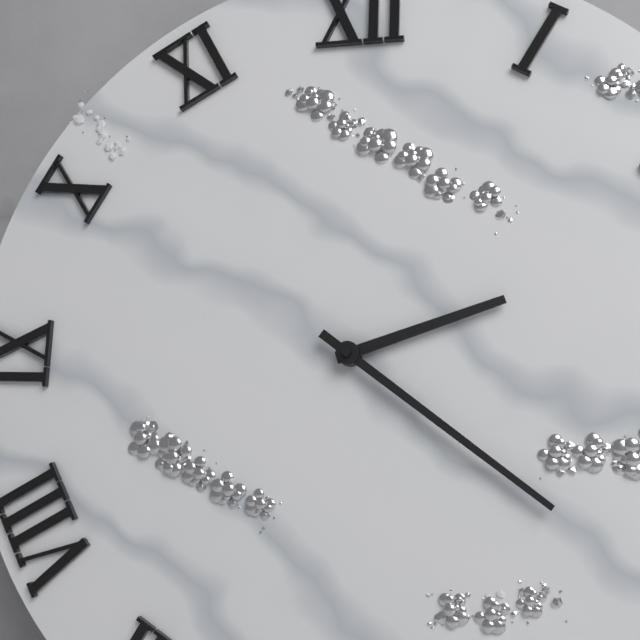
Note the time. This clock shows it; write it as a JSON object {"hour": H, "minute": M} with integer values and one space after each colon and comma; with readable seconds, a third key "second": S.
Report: {"hour": 2, "minute": 21}
